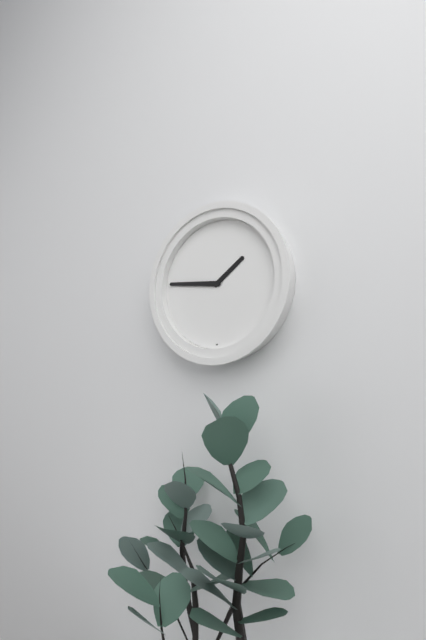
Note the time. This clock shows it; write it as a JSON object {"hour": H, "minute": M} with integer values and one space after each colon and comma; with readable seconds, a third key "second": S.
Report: {"hour": 1, "minute": 46}
